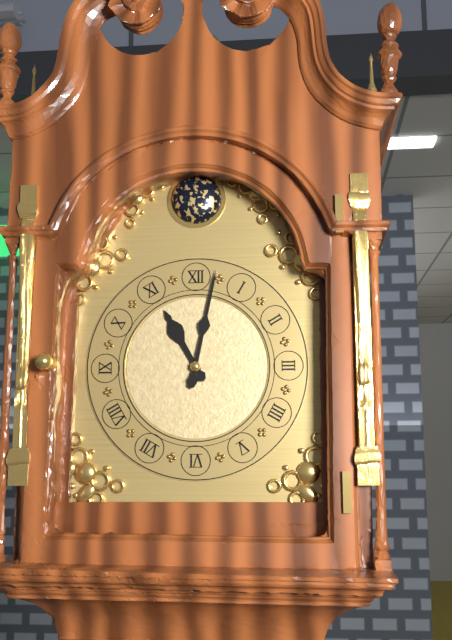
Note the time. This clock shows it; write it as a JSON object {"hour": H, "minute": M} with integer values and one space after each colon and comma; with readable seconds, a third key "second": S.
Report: {"hour": 11, "minute": 2}
